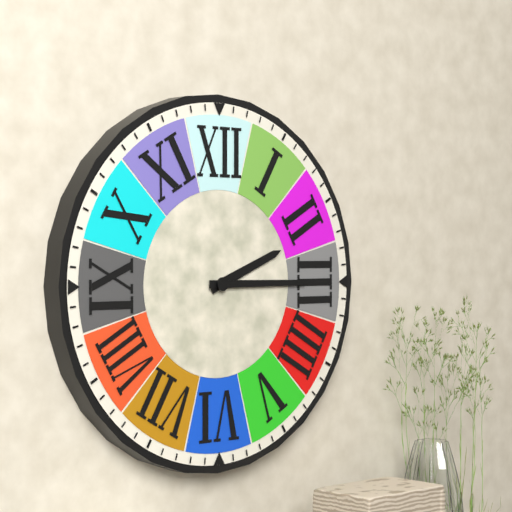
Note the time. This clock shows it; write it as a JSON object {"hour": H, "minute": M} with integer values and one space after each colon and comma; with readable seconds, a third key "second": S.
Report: {"hour": 2, "minute": 15}
